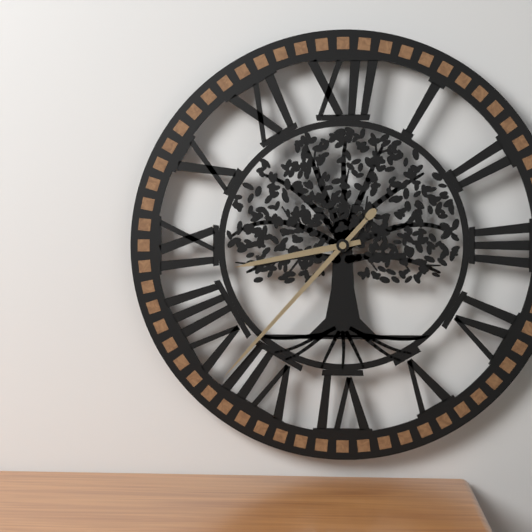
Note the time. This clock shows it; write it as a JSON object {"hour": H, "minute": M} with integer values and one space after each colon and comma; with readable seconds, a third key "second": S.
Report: {"hour": 8, "minute": 37}
